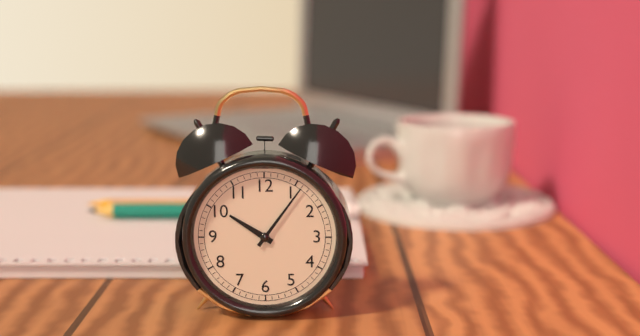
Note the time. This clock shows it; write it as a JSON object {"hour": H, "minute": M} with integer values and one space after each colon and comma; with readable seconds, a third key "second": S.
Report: {"hour": 10, "minute": 6}
